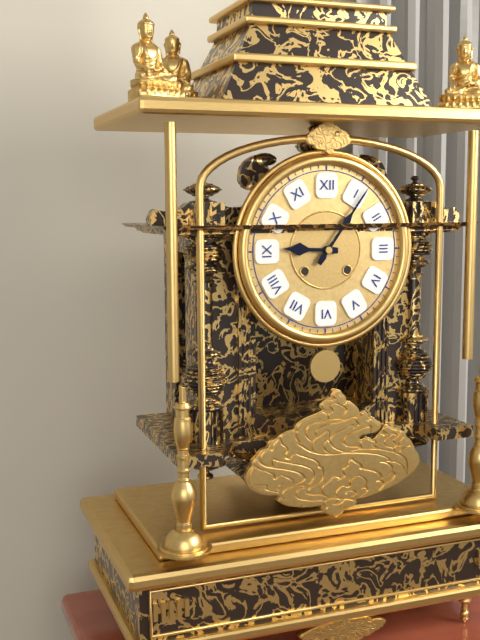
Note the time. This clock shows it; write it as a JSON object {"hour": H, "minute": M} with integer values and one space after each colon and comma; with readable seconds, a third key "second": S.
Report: {"hour": 9, "minute": 6}
